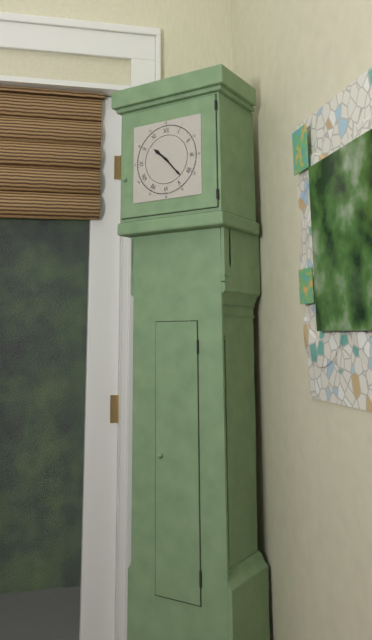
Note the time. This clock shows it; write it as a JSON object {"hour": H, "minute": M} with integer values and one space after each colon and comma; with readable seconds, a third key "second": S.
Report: {"hour": 10, "minute": 23}
